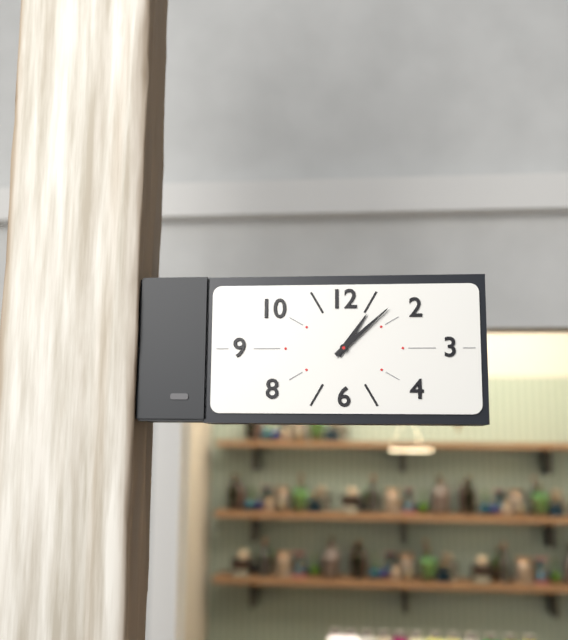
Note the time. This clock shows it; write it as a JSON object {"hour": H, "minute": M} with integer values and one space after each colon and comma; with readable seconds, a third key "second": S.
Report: {"hour": 1, "minute": 8}
